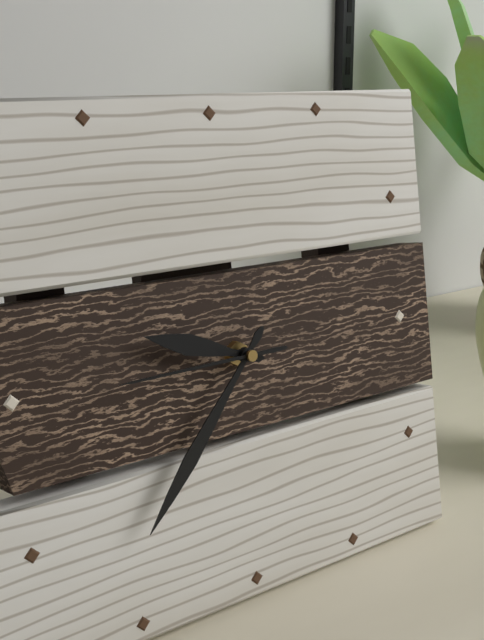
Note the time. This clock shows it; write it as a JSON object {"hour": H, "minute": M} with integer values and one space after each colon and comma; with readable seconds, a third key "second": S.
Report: {"hour": 9, "minute": 37, "second": 45}
